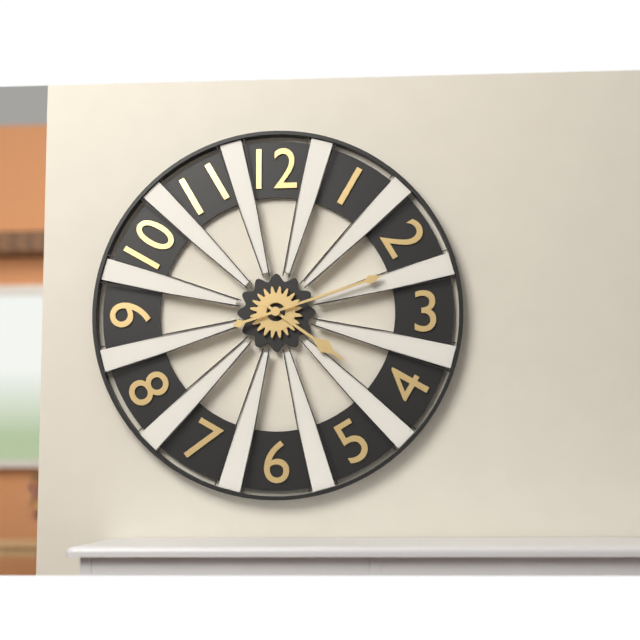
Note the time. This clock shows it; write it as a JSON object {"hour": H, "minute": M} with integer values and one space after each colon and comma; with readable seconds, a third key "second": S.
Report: {"hour": 4, "minute": 12}
